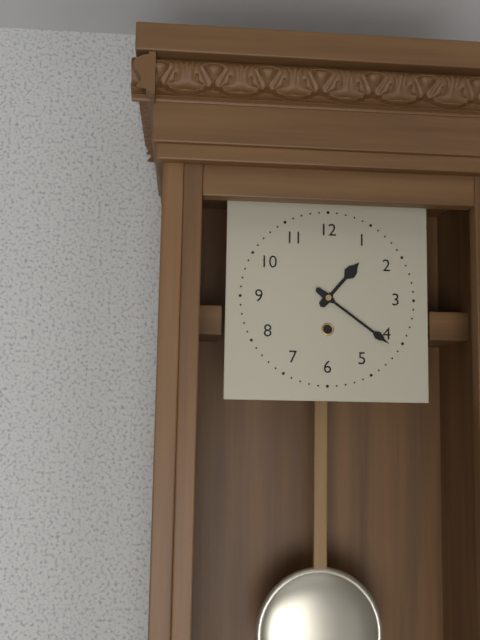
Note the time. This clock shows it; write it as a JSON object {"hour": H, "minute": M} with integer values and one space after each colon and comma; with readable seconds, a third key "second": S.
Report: {"hour": 1, "minute": 21}
